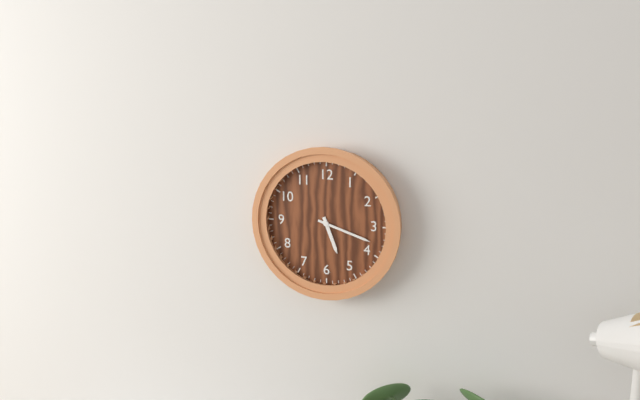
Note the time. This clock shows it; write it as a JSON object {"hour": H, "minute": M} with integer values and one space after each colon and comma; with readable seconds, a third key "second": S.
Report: {"hour": 5, "minute": 18}
